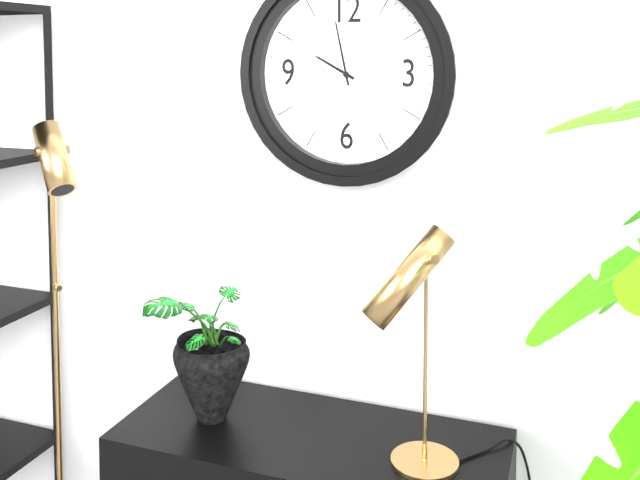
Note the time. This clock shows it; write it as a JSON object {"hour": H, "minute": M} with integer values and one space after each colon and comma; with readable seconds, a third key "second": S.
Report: {"hour": 9, "minute": 58}
